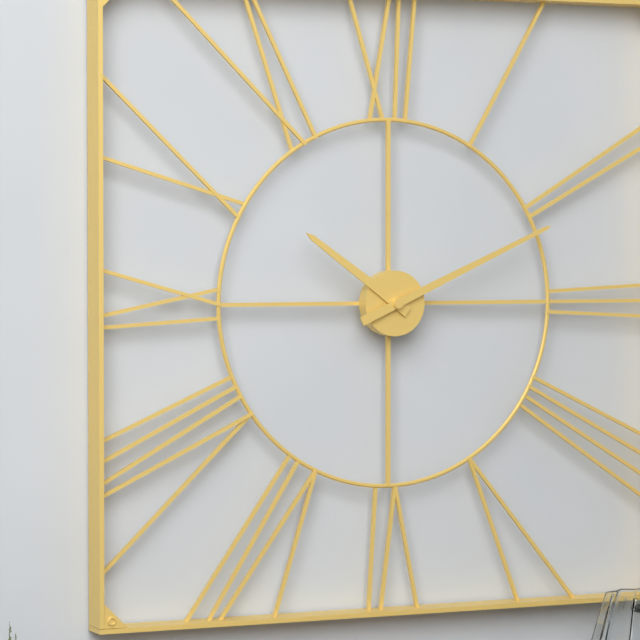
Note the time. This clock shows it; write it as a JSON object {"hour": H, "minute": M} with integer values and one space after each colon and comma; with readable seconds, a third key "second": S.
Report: {"hour": 10, "minute": 11}
